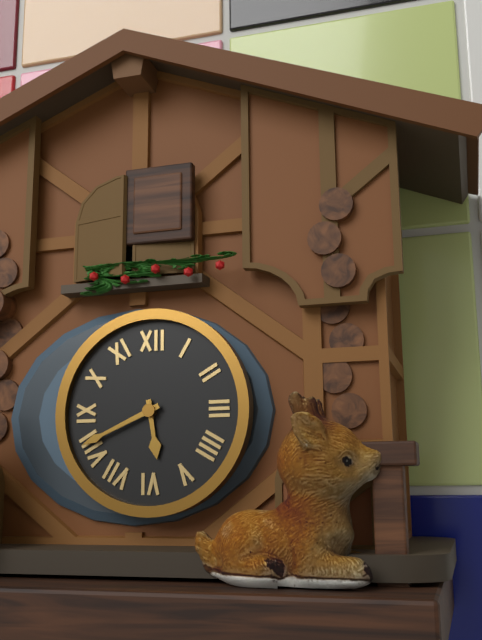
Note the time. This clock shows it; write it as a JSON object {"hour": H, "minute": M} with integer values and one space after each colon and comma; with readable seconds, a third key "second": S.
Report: {"hour": 5, "minute": 41}
